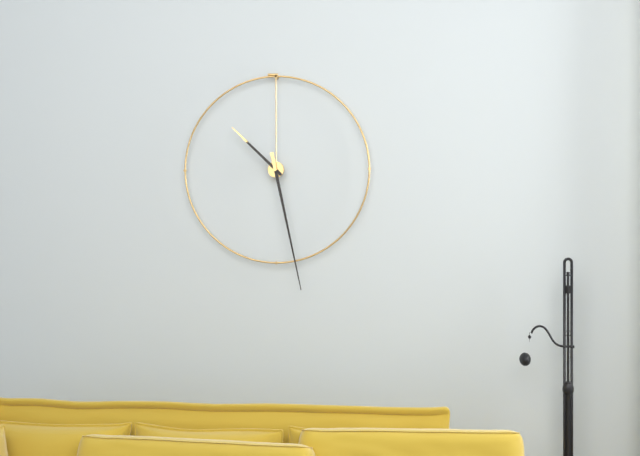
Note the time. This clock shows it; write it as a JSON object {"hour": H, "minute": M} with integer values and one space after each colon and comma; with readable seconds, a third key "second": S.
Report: {"hour": 10, "minute": 28}
